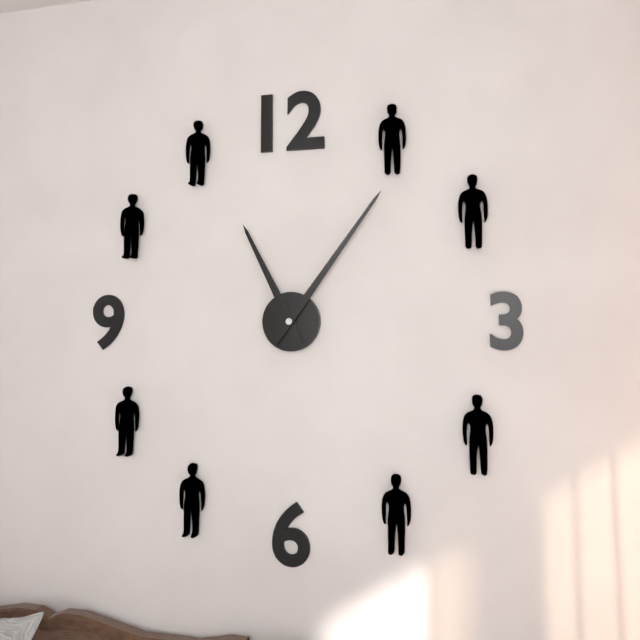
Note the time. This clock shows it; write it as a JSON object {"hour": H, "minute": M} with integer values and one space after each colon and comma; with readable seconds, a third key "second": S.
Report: {"hour": 11, "minute": 6}
